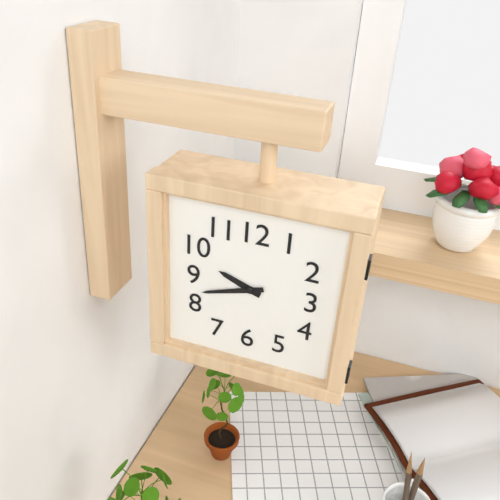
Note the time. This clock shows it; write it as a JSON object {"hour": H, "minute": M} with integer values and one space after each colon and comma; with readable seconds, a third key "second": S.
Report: {"hour": 9, "minute": 42}
